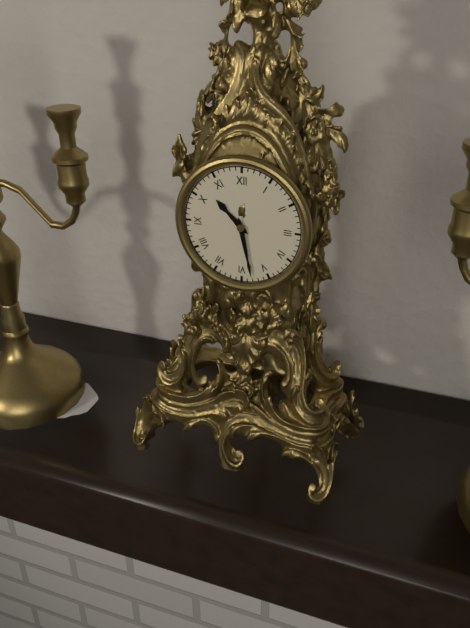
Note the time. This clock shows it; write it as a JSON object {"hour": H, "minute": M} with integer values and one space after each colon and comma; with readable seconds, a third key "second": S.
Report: {"hour": 10, "minute": 28}
